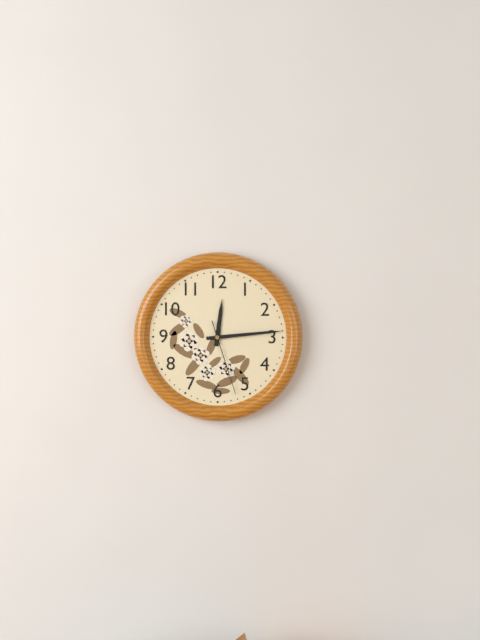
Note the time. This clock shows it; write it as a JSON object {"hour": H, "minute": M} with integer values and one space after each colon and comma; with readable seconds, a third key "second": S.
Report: {"hour": 12, "minute": 14, "second": 27}
